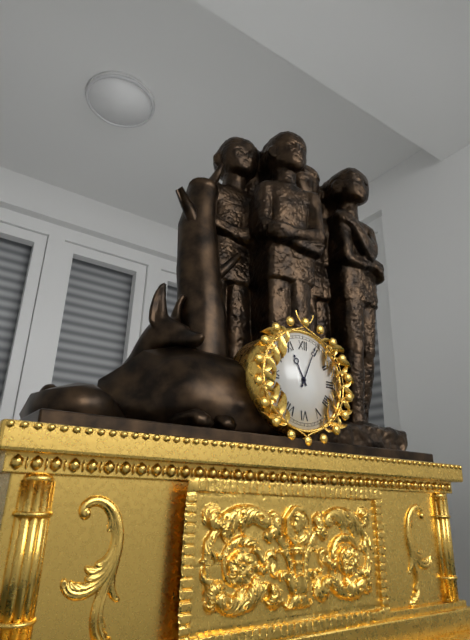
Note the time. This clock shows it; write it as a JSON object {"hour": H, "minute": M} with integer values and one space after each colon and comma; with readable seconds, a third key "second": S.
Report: {"hour": 11, "minute": 4}
